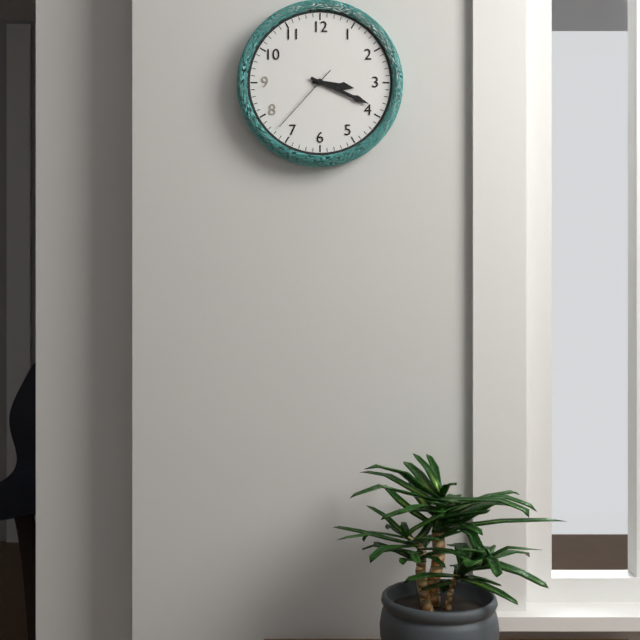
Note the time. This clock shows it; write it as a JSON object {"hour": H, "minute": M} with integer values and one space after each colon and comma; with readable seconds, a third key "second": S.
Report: {"hour": 3, "minute": 19, "second": 37}
